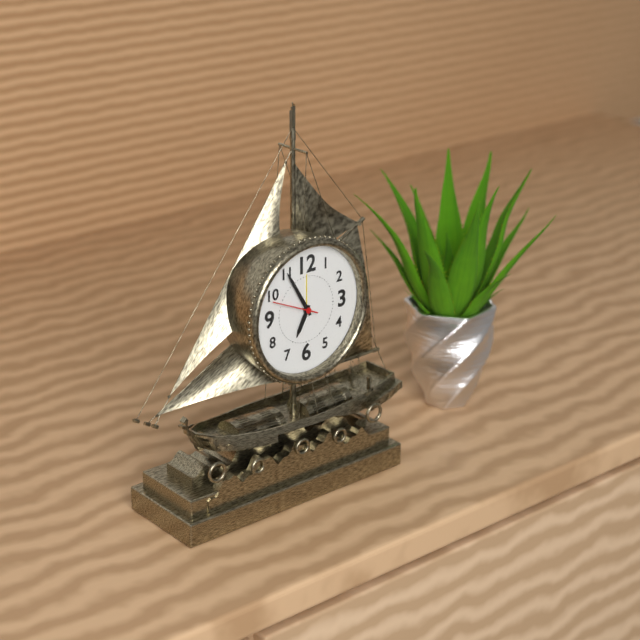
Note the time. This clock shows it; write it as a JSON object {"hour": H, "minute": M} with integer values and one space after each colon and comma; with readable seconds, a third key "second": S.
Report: {"hour": 6, "minute": 55}
